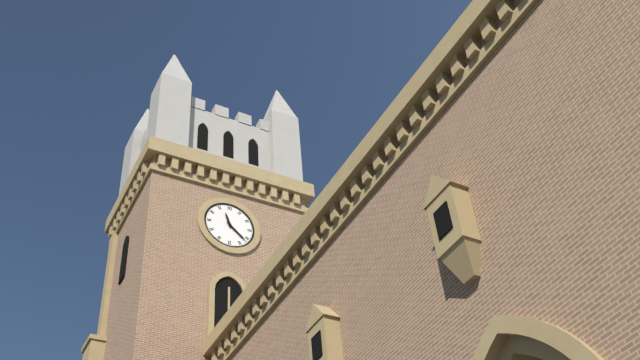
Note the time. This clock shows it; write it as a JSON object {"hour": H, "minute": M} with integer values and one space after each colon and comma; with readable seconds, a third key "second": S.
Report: {"hour": 11, "minute": 22}
